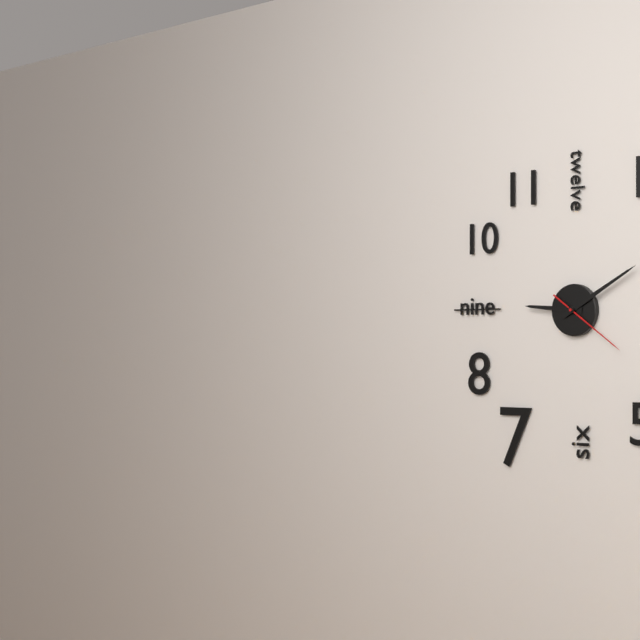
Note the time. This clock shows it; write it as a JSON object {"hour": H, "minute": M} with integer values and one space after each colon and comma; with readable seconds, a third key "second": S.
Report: {"hour": 9, "minute": 10, "second": 21}
